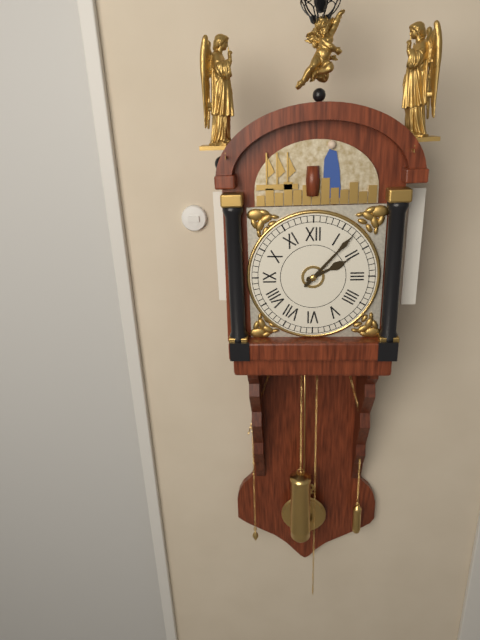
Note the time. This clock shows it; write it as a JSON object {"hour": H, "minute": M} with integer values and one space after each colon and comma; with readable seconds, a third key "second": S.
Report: {"hour": 2, "minute": 7}
